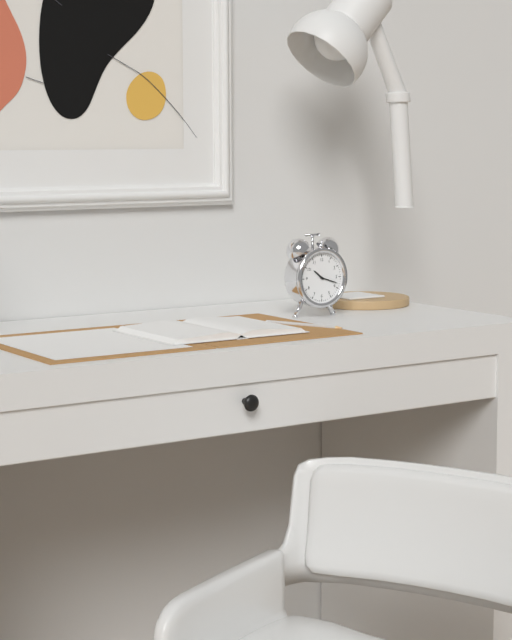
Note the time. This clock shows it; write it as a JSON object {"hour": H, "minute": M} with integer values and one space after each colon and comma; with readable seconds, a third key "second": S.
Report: {"hour": 10, "minute": 18}
